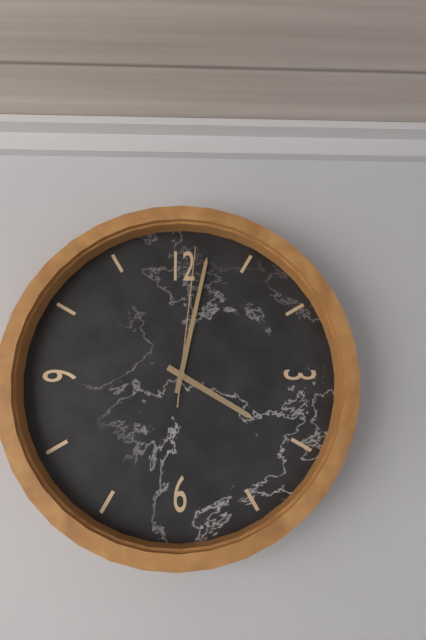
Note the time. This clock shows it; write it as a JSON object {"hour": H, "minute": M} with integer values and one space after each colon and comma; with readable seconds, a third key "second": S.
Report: {"hour": 4, "minute": 2, "second": 1}
